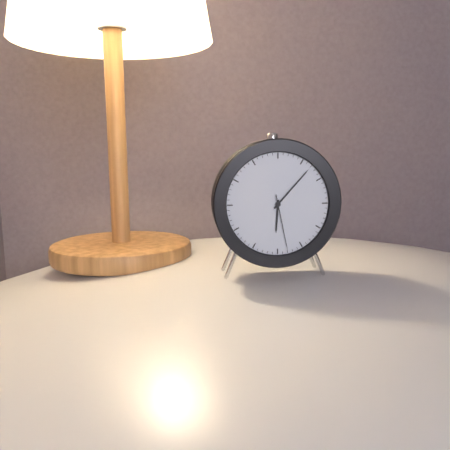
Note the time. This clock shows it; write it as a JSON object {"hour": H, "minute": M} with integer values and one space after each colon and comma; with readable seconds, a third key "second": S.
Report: {"hour": 6, "minute": 7, "second": 28}
